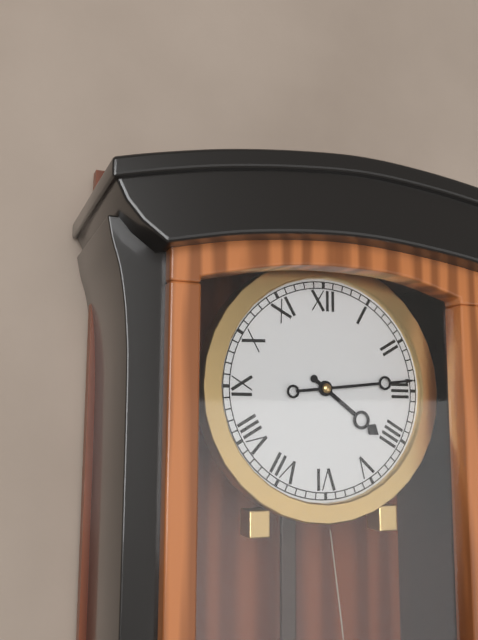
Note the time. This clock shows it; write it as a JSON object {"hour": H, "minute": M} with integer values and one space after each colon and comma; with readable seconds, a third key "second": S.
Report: {"hour": 4, "minute": 14}
